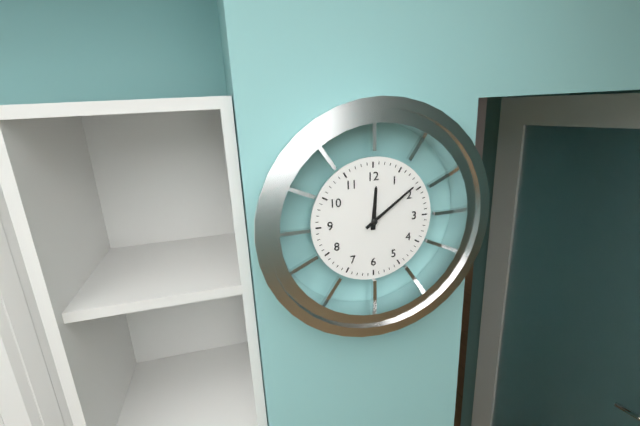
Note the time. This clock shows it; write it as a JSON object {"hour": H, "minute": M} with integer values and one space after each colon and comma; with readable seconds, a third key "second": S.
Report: {"hour": 12, "minute": 9}
